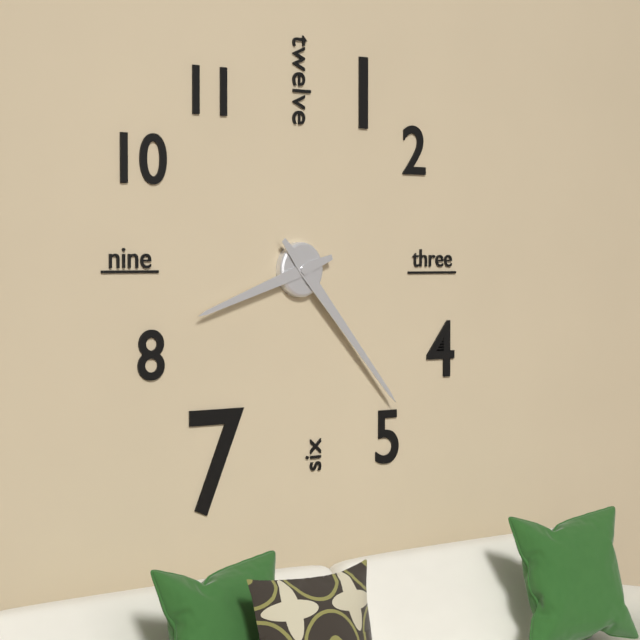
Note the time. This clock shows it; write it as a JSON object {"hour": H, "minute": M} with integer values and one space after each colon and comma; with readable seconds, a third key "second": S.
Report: {"hour": 8, "minute": 23}
